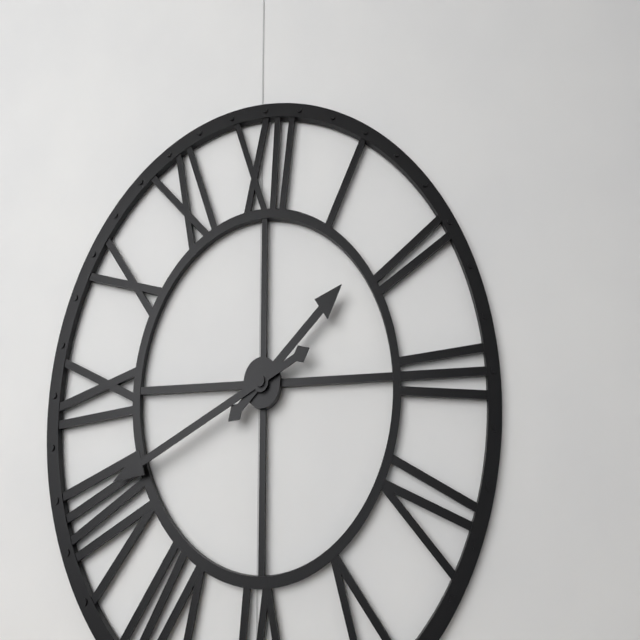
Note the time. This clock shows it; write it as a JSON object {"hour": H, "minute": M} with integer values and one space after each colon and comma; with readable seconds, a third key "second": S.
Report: {"hour": 1, "minute": 41}
